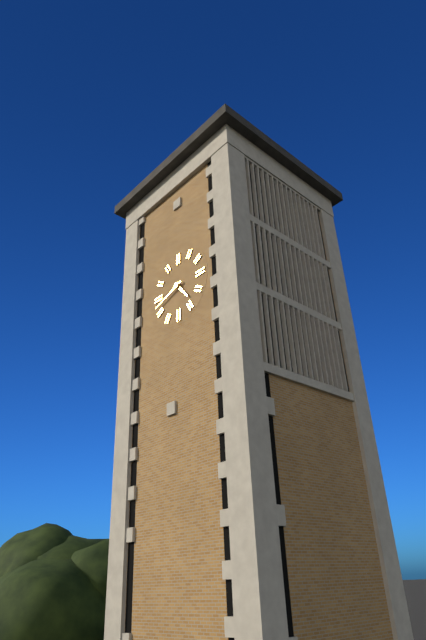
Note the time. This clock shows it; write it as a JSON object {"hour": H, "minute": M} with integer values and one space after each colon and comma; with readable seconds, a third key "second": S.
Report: {"hour": 4, "minute": 42}
